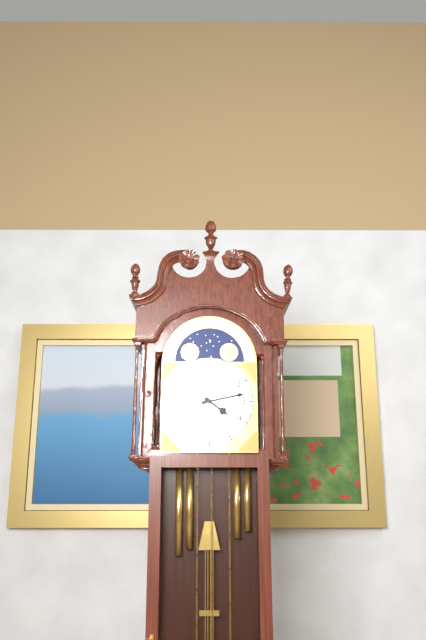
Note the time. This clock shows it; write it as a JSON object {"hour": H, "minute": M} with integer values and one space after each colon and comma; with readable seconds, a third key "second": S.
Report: {"hour": 4, "minute": 13}
